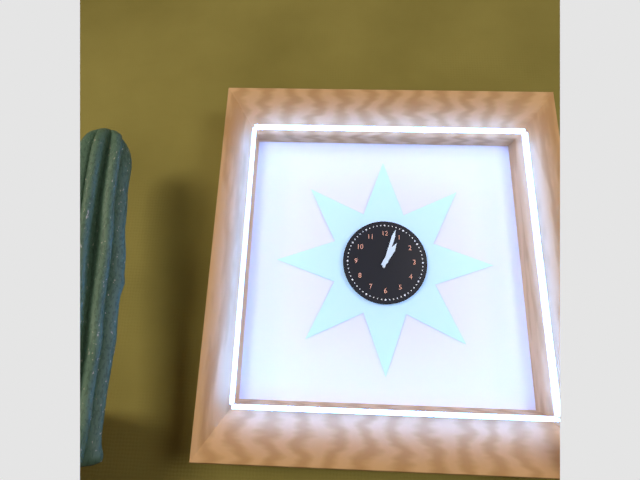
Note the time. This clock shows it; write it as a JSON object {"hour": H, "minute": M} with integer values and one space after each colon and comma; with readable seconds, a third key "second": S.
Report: {"hour": 1, "minute": 3}
